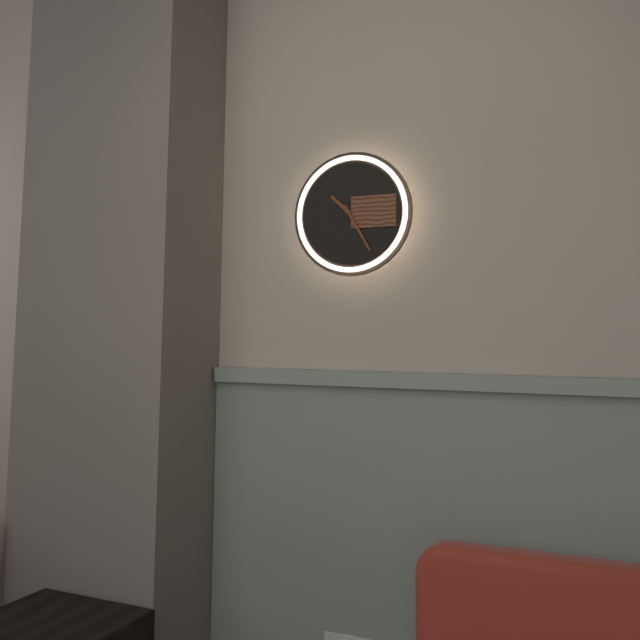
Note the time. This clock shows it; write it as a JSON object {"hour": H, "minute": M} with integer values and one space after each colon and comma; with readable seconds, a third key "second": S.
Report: {"hour": 10, "minute": 25}
